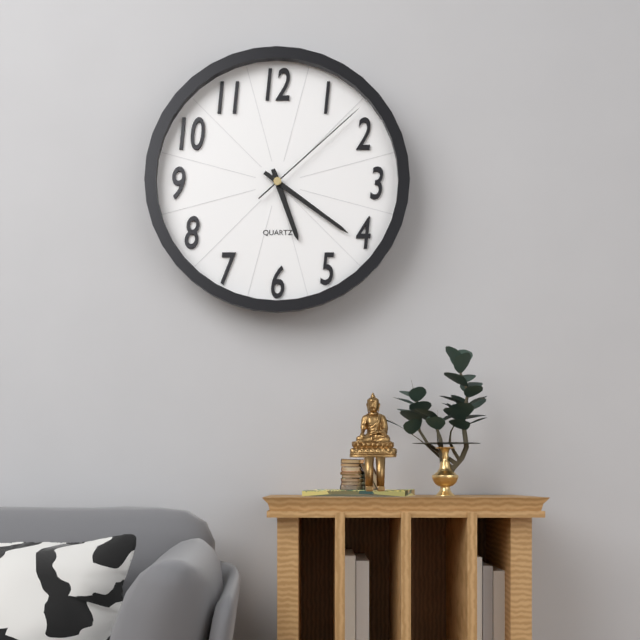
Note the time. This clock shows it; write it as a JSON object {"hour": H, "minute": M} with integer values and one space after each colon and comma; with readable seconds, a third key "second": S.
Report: {"hour": 5, "minute": 21, "second": 8}
